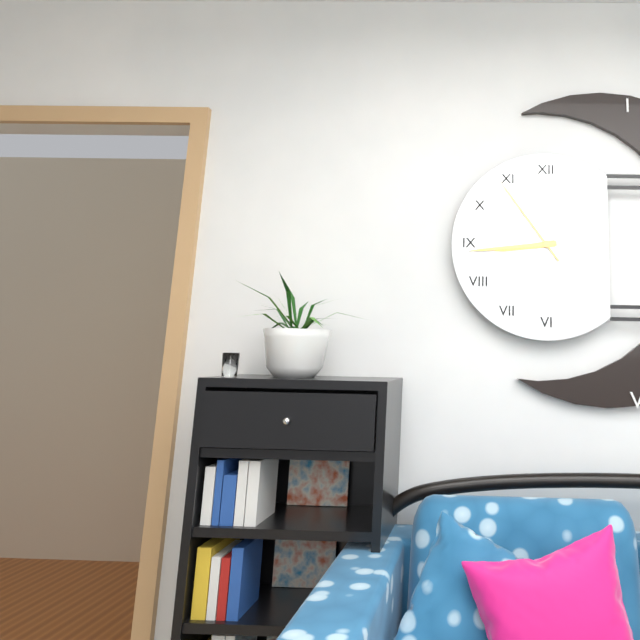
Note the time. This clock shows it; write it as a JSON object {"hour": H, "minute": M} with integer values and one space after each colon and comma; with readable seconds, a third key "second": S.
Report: {"hour": 8, "minute": 44, "second": 54}
